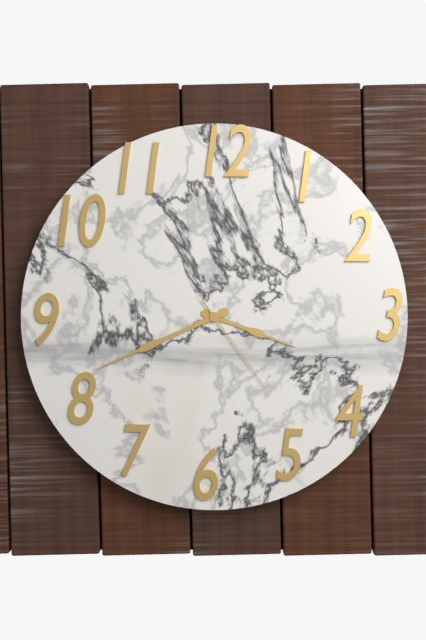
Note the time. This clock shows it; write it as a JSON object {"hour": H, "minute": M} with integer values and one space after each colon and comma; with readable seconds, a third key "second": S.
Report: {"hour": 3, "minute": 41, "second": 24}
